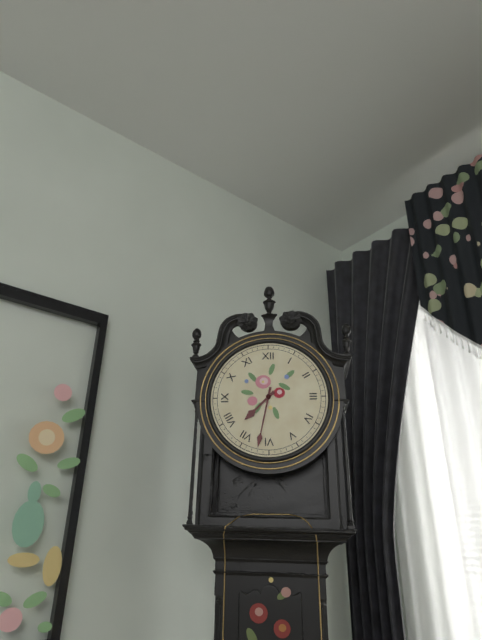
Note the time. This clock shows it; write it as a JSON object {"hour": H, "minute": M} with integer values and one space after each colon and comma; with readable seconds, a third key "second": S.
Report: {"hour": 7, "minute": 32}
